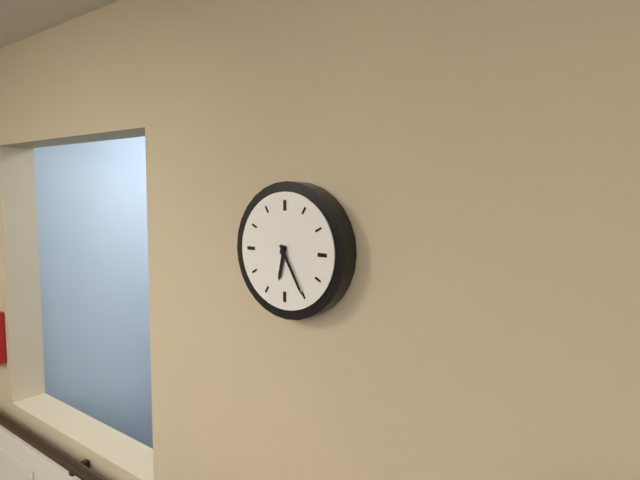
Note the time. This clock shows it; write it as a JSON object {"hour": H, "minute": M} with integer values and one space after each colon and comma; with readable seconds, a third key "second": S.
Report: {"hour": 6, "minute": 25}
